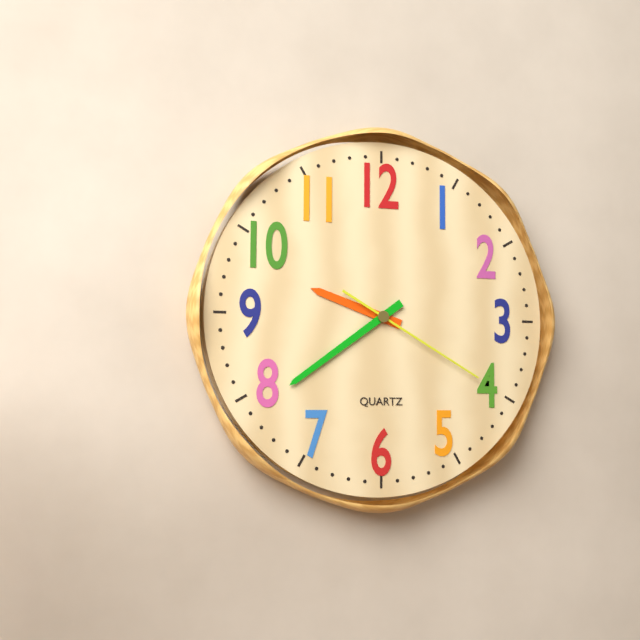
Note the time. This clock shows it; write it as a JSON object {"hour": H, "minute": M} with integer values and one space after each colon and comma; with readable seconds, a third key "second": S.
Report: {"hour": 9, "minute": 39, "second": 20}
